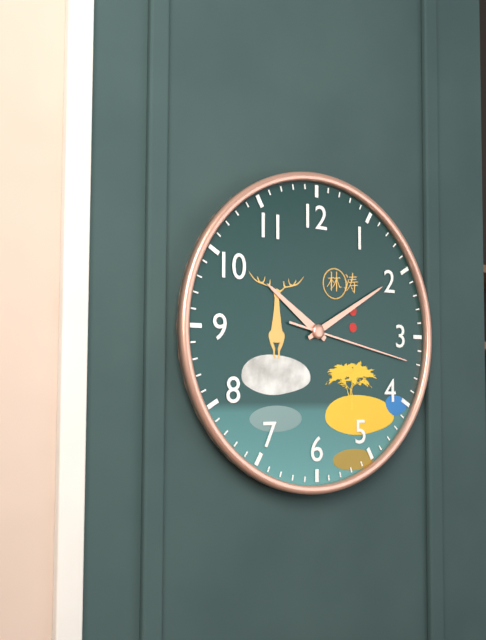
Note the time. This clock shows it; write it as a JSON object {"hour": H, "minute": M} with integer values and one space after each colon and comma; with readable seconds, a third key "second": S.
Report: {"hour": 10, "minute": 10, "second": 17}
